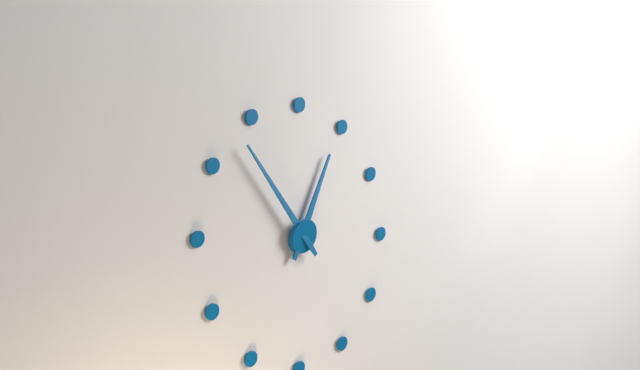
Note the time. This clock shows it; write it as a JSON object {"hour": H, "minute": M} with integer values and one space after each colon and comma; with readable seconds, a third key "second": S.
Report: {"hour": 12, "minute": 53}
